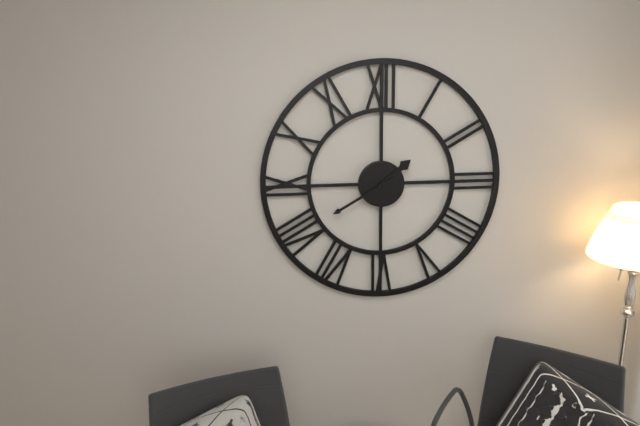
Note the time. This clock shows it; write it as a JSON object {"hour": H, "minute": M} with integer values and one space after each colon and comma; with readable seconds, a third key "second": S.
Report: {"hour": 1, "minute": 40}
